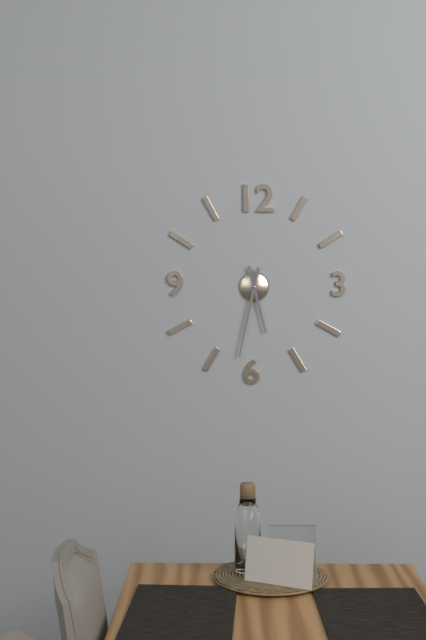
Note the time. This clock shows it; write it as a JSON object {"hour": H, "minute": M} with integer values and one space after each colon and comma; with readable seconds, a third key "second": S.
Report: {"hour": 5, "minute": 32}
